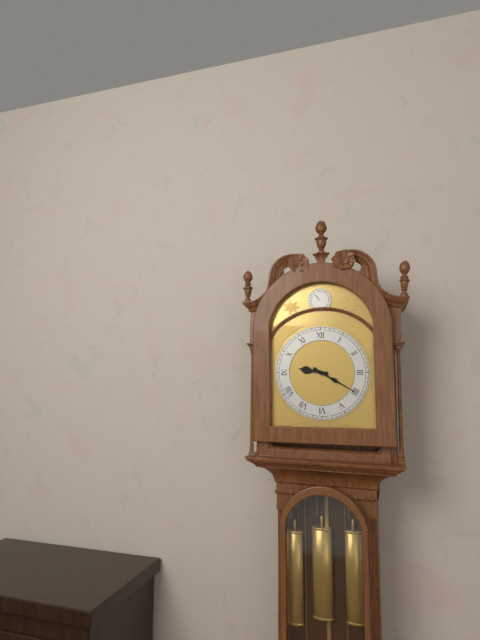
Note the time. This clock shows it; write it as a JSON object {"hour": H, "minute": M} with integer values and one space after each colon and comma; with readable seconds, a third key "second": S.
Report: {"hour": 9, "minute": 20}
